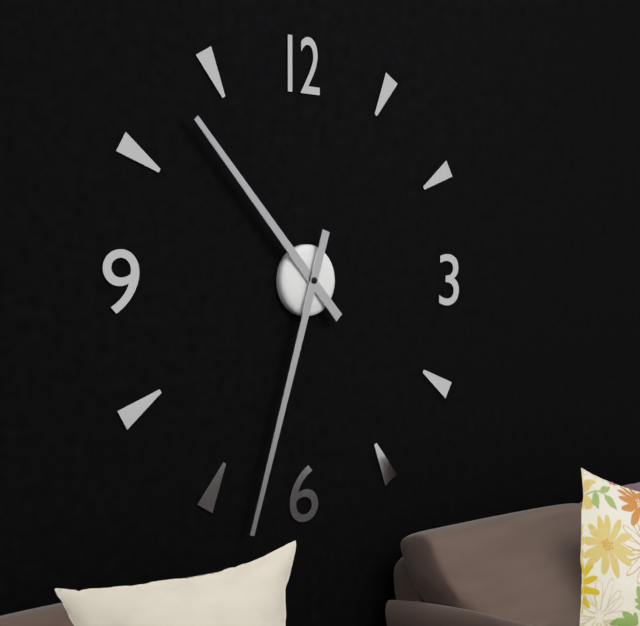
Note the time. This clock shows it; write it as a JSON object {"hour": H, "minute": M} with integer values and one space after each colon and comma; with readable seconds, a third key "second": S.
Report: {"hour": 10, "minute": 33}
